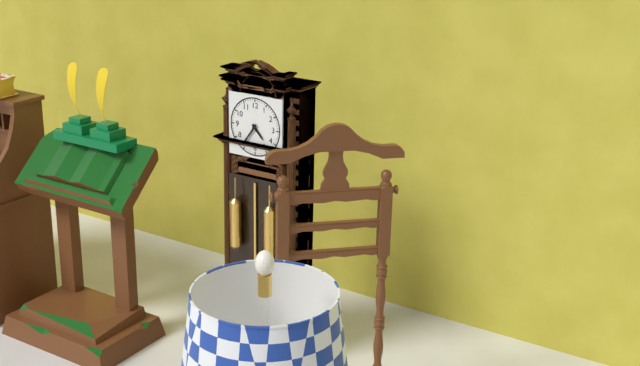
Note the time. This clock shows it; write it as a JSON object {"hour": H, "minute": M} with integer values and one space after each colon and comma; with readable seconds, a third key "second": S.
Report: {"hour": 4, "minute": 36}
